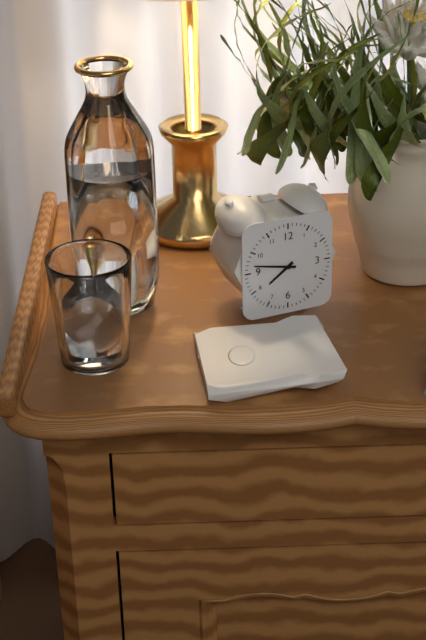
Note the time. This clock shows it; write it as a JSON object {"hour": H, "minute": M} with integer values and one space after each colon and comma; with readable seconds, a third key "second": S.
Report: {"hour": 7, "minute": 47}
